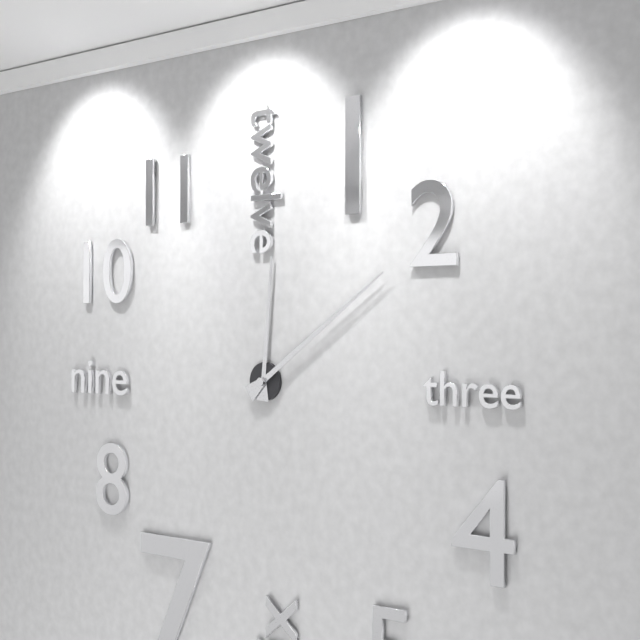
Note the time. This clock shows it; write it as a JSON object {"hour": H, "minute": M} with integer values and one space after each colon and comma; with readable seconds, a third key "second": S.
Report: {"hour": 12, "minute": 9}
